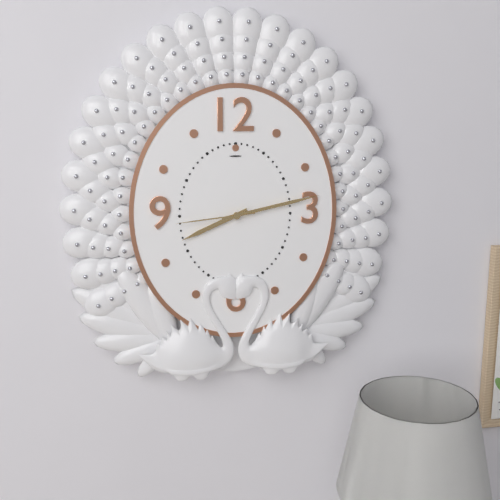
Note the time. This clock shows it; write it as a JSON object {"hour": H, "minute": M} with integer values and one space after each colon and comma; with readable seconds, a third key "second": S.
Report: {"hour": 8, "minute": 13, "second": 44}
